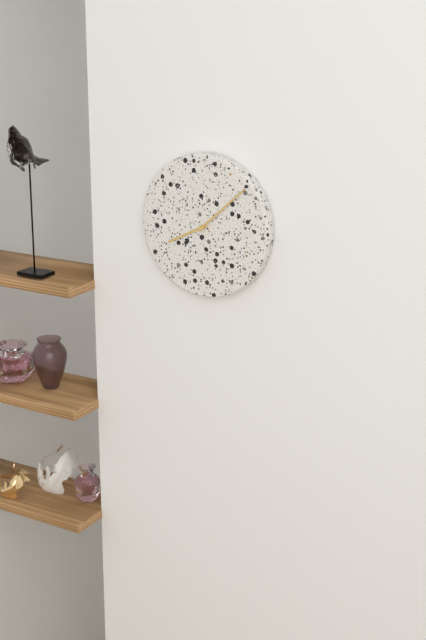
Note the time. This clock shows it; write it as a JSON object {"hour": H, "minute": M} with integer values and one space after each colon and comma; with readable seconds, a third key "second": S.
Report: {"hour": 8, "minute": 8}
